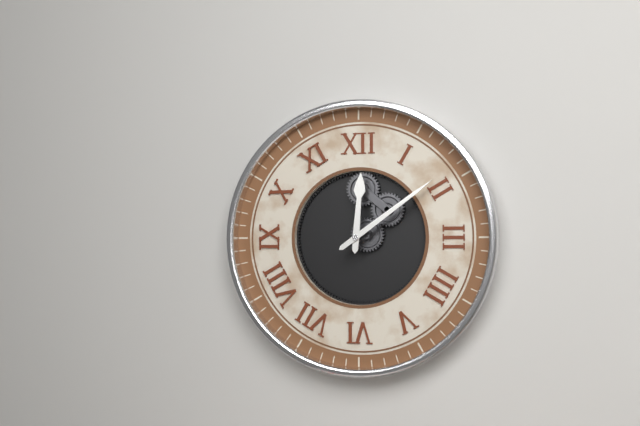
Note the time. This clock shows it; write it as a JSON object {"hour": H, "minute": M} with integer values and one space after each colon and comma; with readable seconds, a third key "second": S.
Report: {"hour": 12, "minute": 9}
